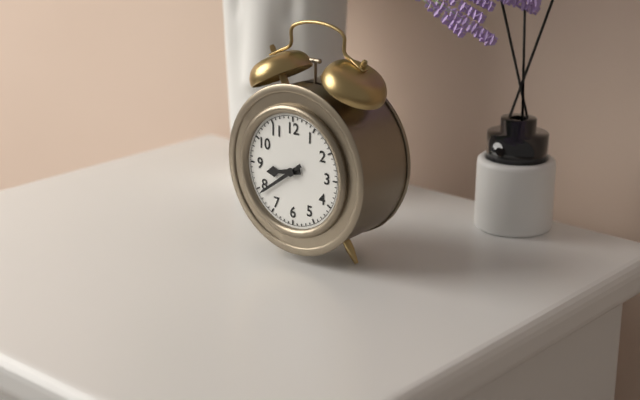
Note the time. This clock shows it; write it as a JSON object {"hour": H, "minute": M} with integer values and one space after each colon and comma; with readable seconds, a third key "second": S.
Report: {"hour": 8, "minute": 39}
